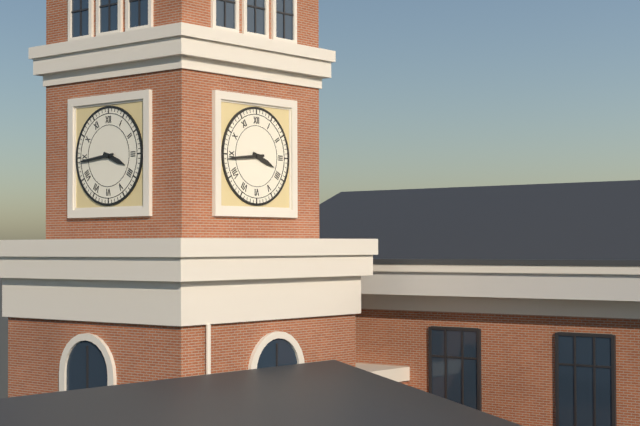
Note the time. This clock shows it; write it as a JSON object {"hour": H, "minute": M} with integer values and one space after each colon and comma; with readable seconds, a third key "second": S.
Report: {"hour": 3, "minute": 44}
